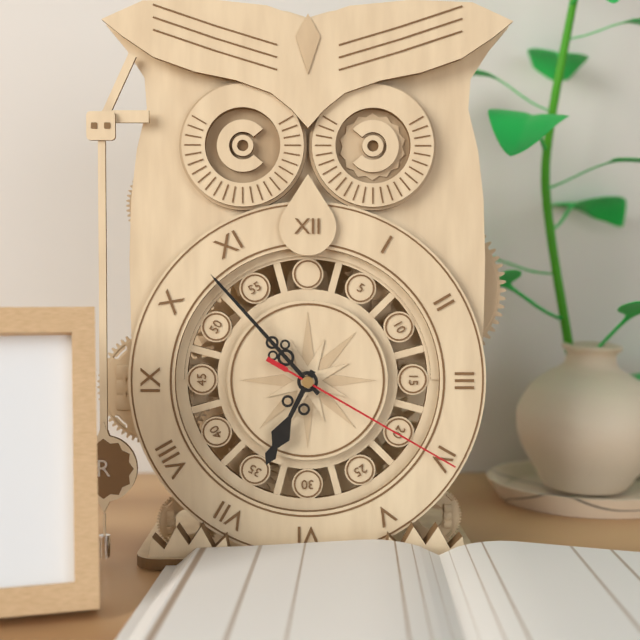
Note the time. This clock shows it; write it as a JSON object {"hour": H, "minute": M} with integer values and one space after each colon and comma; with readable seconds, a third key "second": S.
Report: {"hour": 6, "minute": 53, "second": 20}
